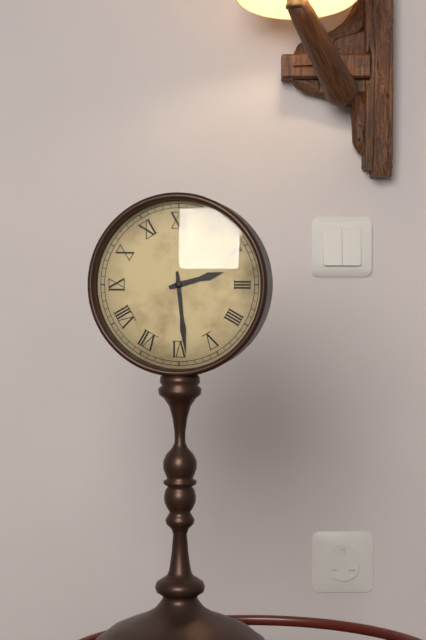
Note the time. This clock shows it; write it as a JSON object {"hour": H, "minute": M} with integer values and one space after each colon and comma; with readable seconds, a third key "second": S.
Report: {"hour": 2, "minute": 29}
